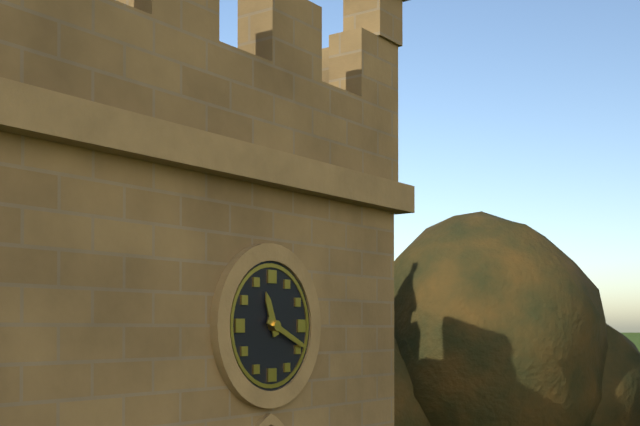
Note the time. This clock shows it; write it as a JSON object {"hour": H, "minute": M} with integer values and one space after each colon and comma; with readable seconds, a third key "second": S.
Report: {"hour": 11, "minute": 19}
